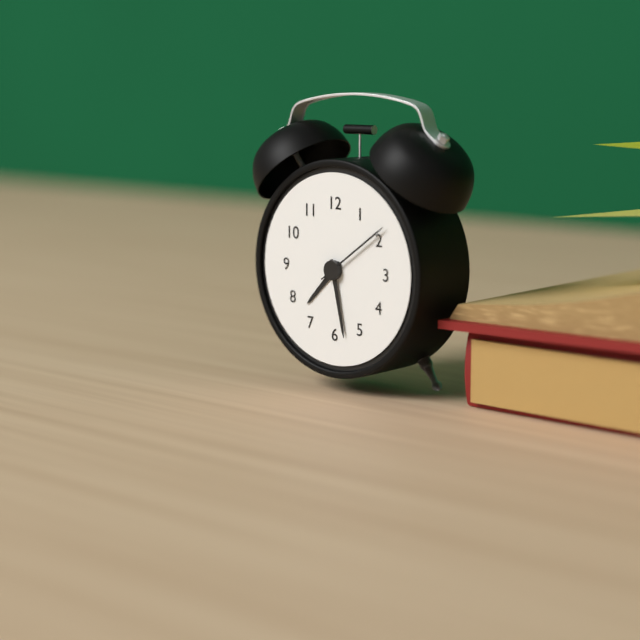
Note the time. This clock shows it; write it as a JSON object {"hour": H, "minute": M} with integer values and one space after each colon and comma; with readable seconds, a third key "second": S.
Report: {"hour": 7, "minute": 28, "second": 9}
